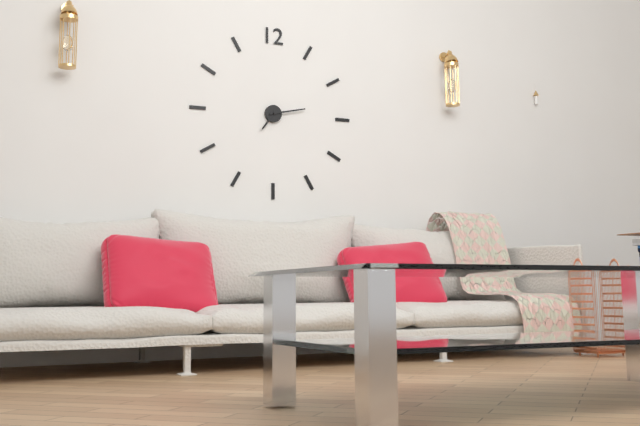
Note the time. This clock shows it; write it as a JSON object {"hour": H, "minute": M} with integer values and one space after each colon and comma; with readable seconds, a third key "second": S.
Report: {"hour": 7, "minute": 13}
